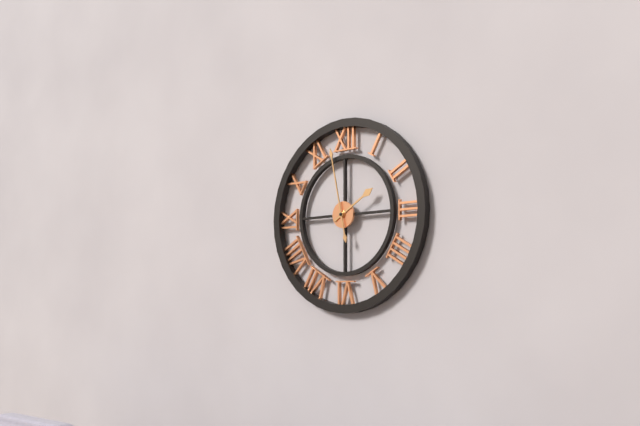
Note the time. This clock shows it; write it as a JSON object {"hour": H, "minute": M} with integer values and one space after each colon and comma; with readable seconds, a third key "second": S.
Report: {"hour": 1, "minute": 58}
